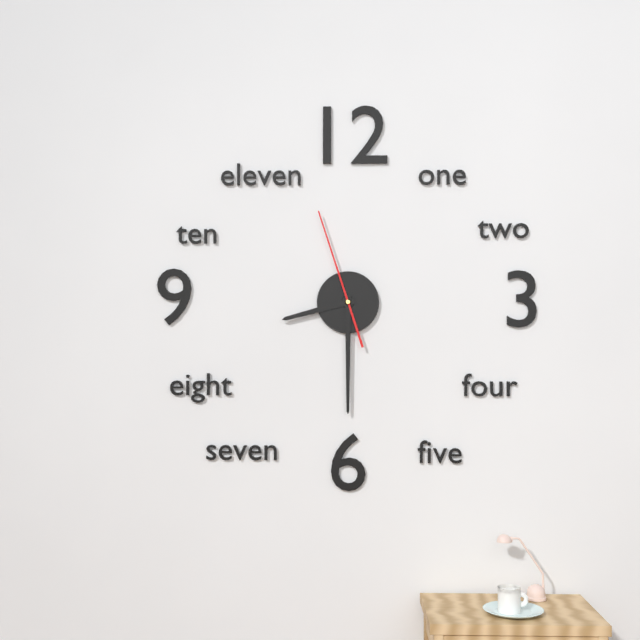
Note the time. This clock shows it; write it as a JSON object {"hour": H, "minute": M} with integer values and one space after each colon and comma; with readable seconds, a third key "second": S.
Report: {"hour": 8, "minute": 30, "second": 57}
